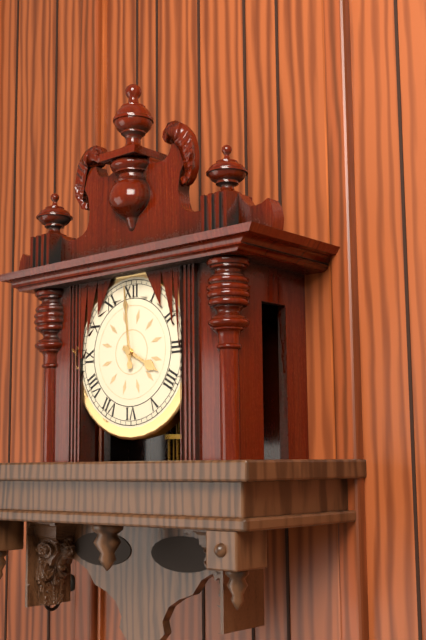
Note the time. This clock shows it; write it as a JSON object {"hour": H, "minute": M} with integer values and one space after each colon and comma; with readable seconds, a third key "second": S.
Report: {"hour": 3, "minute": 59}
